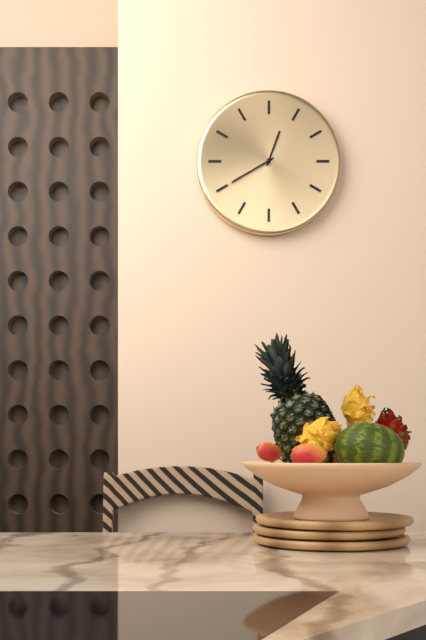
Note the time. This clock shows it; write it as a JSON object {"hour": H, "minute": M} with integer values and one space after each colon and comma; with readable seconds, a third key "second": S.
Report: {"hour": 12, "minute": 40}
